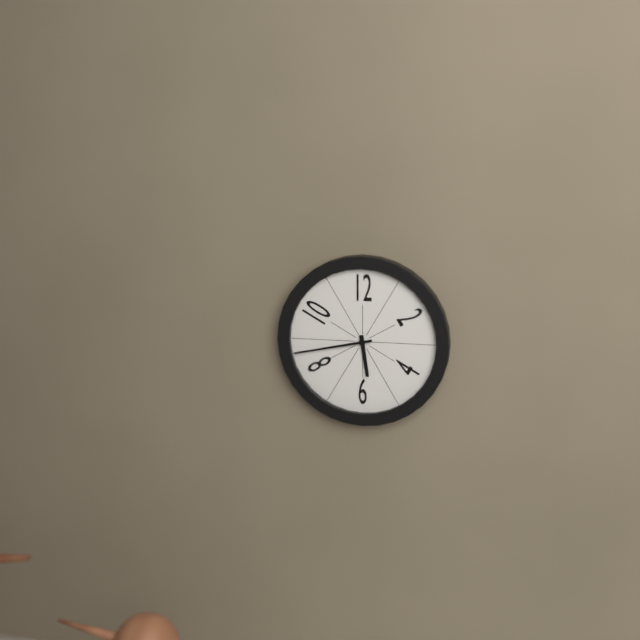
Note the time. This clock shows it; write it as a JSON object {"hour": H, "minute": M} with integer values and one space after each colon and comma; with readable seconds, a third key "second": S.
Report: {"hour": 5, "minute": 43}
